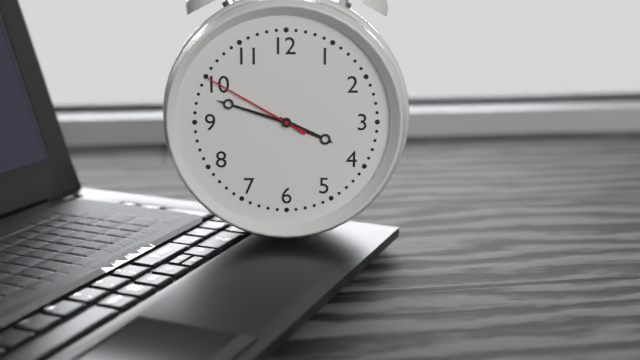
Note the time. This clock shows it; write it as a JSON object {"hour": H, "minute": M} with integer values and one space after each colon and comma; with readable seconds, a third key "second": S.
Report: {"hour": 3, "minute": 48, "second": 50}
